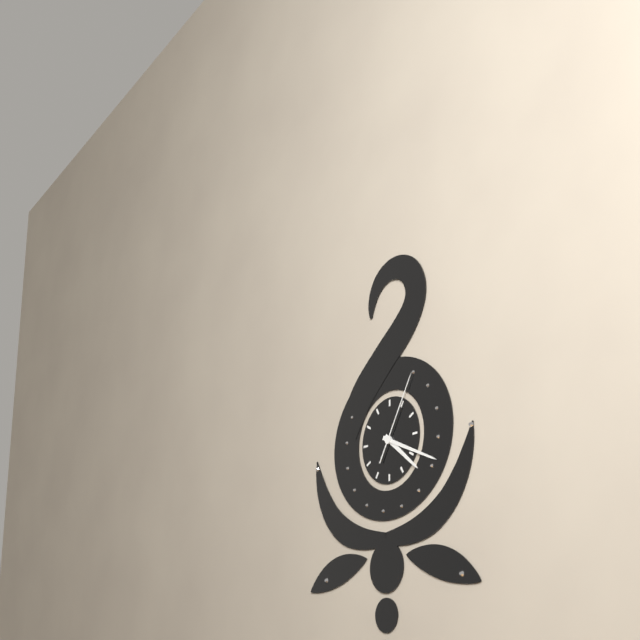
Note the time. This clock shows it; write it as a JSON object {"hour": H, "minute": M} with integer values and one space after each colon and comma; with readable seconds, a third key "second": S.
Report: {"hour": 4, "minute": 19, "second": 5}
